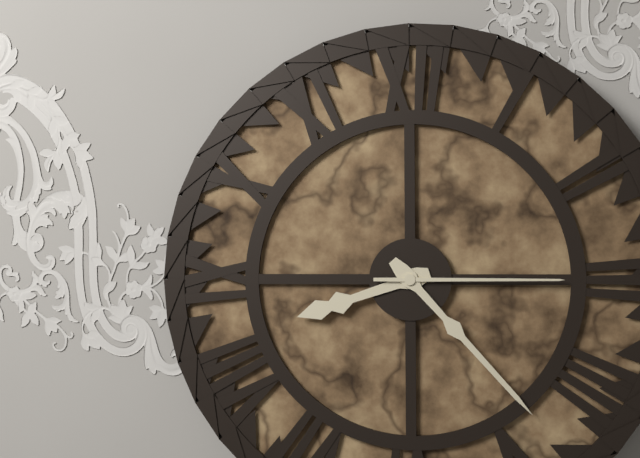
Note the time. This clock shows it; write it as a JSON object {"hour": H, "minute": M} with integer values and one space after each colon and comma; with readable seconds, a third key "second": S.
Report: {"hour": 8, "minute": 23, "second": 15}
